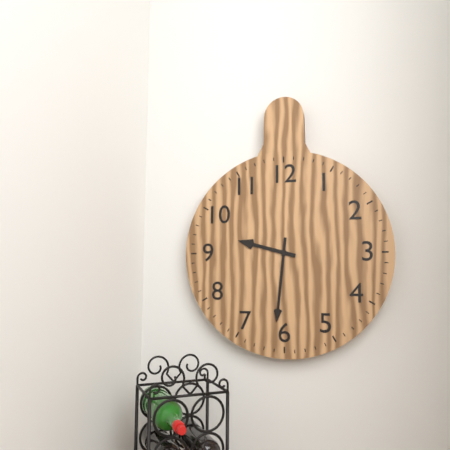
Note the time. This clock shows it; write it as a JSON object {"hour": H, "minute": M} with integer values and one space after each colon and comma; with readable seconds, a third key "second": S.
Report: {"hour": 9, "minute": 31}
